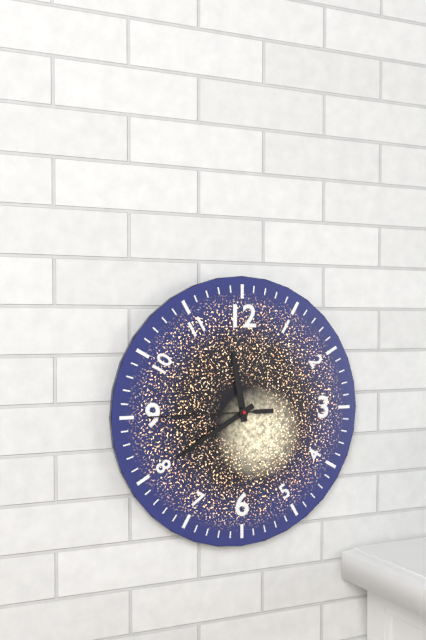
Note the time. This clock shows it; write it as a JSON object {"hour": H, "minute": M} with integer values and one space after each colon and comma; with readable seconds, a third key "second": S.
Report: {"hour": 11, "minute": 40, "second": 45}
